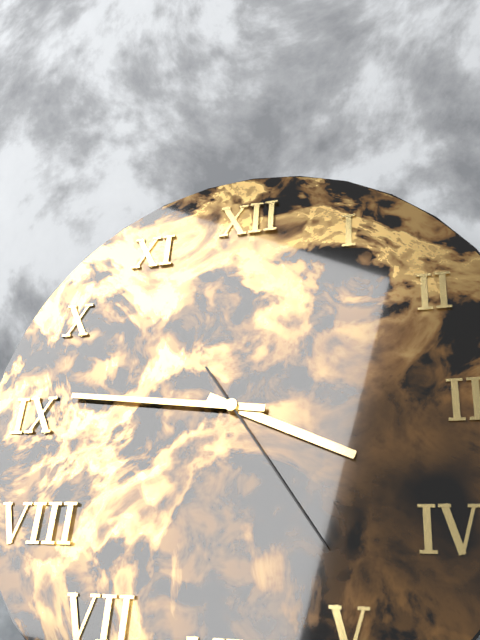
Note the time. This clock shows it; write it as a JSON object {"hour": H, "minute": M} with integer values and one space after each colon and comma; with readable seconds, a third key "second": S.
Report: {"hour": 3, "minute": 46, "second": 24}
